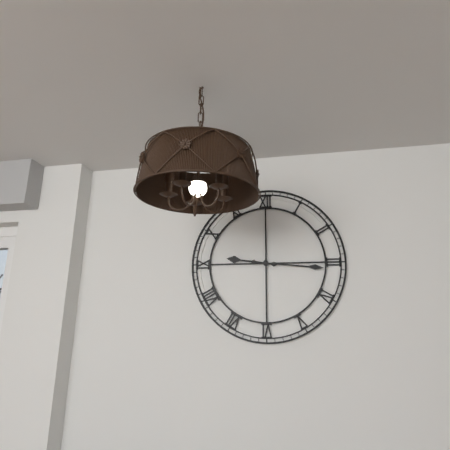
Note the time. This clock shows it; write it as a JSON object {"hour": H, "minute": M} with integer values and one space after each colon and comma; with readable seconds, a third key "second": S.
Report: {"hour": 9, "minute": 16}
